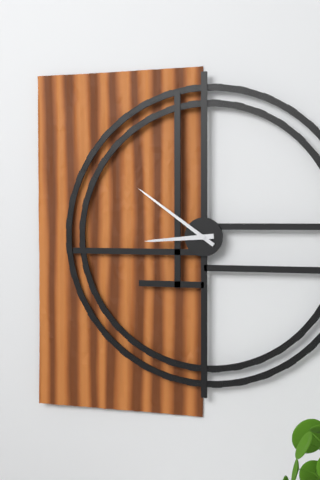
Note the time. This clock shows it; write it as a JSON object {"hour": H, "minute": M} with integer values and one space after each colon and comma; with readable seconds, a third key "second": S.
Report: {"hour": 8, "minute": 51}
